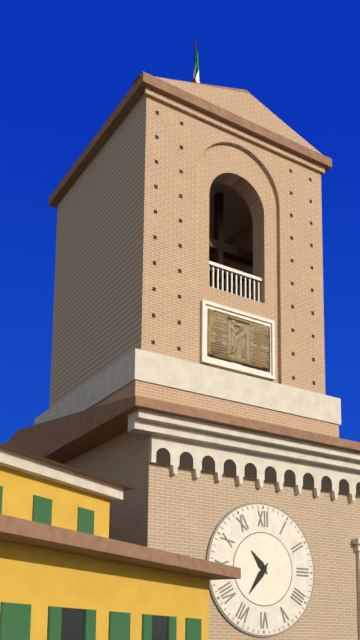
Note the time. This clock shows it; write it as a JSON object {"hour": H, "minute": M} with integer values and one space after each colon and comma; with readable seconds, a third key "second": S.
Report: {"hour": 10, "minute": 36}
